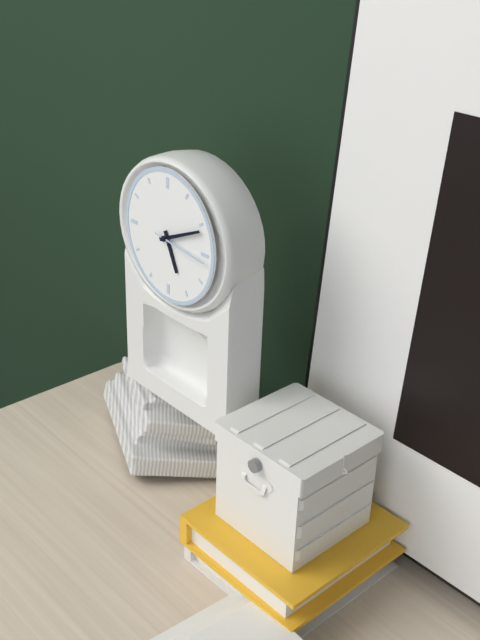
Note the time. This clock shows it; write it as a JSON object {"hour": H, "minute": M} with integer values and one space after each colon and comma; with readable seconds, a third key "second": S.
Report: {"hour": 5, "minute": 11, "second": 16}
